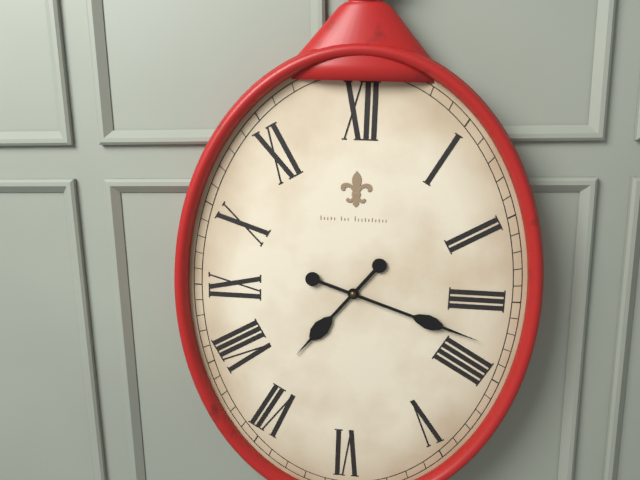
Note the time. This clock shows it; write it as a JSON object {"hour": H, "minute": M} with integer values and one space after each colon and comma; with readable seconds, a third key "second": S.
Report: {"hour": 7, "minute": 18}
